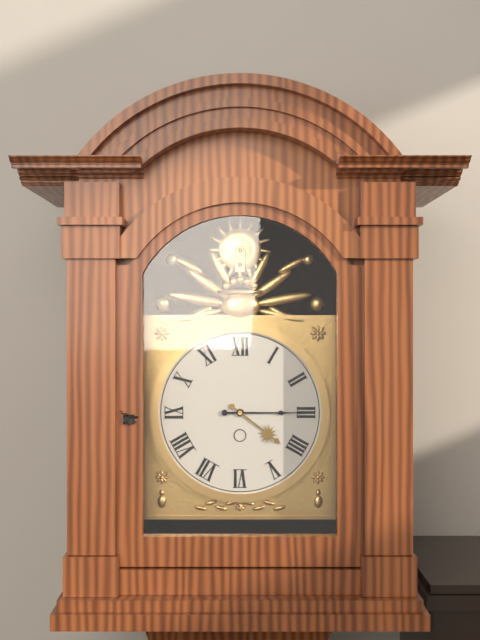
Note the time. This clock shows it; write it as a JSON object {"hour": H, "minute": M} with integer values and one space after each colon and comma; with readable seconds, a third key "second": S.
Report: {"hour": 4, "minute": 15}
